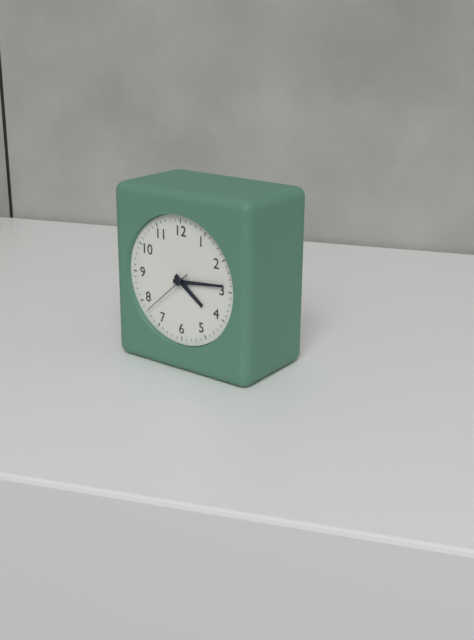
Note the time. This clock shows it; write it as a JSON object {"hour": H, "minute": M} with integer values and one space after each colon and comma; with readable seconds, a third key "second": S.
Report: {"hour": 4, "minute": 14, "second": 38}
